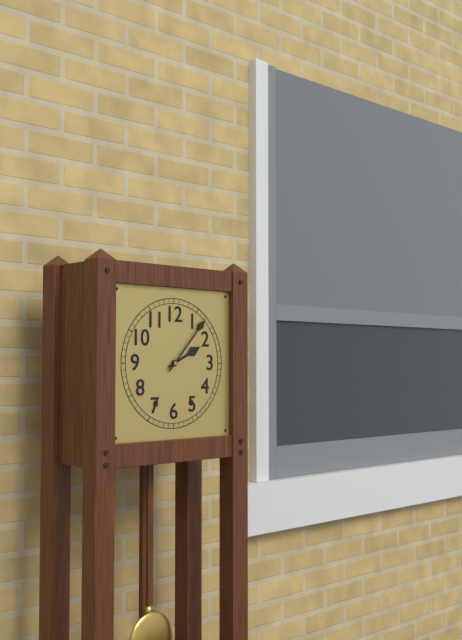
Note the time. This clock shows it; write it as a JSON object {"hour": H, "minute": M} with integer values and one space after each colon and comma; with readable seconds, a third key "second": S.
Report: {"hour": 2, "minute": 7}
